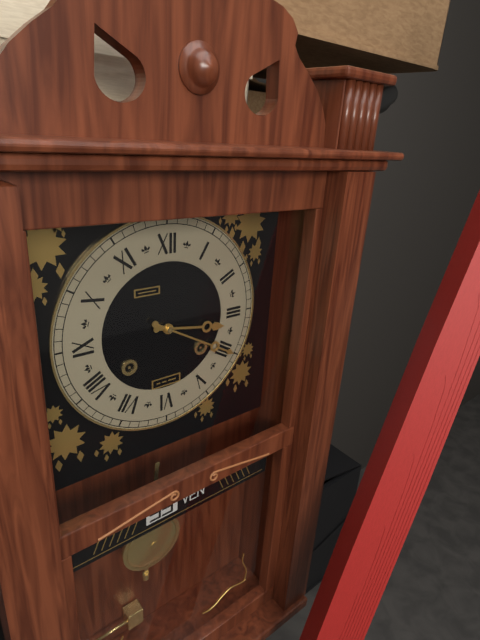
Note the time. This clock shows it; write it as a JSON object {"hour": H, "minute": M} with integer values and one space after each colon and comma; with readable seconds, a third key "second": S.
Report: {"hour": 3, "minute": 20}
